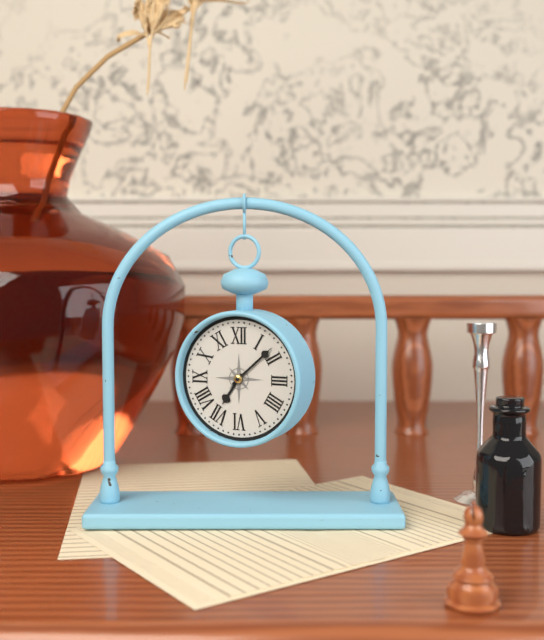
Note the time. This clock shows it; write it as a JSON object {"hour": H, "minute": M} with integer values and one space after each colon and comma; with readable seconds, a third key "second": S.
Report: {"hour": 7, "minute": 8}
